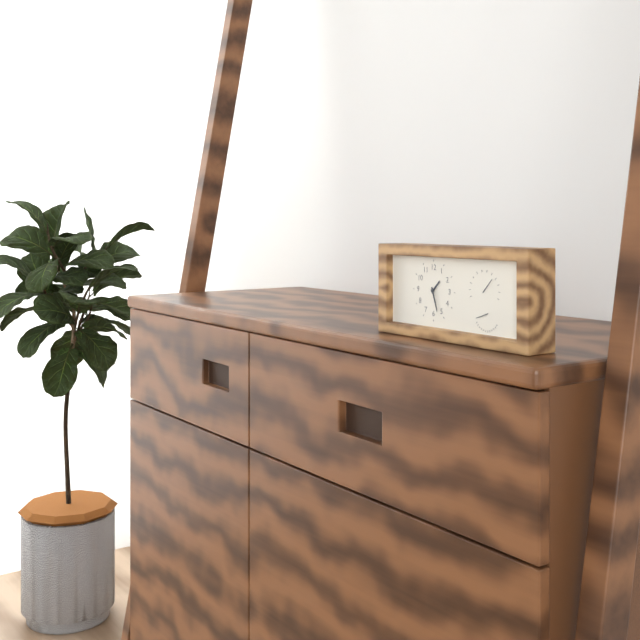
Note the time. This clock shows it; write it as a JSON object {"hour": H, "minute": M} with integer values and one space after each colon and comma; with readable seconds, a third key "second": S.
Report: {"hour": 1, "minute": 27}
